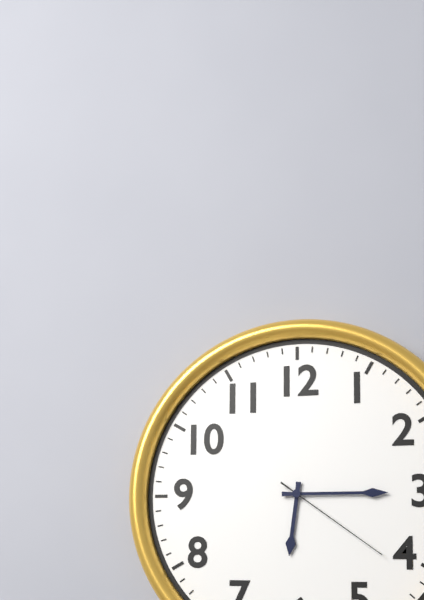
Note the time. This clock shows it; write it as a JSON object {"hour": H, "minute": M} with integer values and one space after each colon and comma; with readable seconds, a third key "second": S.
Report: {"hour": 6, "minute": 15, "second": 21}
